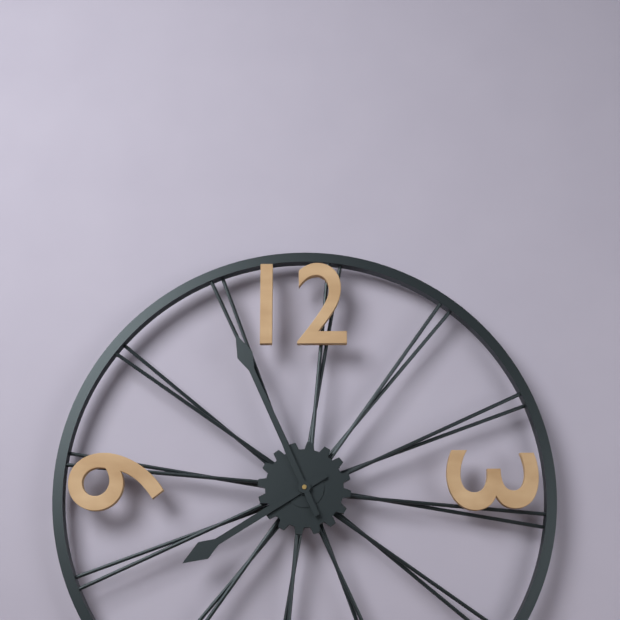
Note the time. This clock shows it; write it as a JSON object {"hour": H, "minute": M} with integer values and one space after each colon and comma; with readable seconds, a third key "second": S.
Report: {"hour": 7, "minute": 56}
